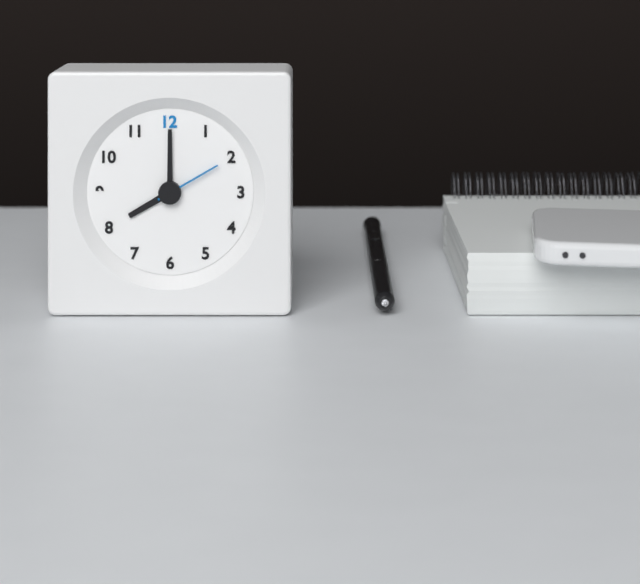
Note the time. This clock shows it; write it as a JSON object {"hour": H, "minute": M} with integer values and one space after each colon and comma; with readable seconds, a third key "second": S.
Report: {"hour": 8, "minute": 0, "second": 10}
